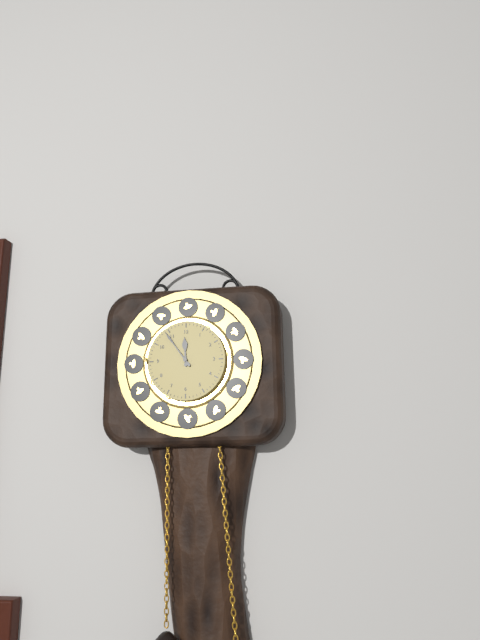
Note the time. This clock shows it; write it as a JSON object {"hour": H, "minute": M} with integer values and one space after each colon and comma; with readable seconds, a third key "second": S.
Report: {"hour": 11, "minute": 54}
